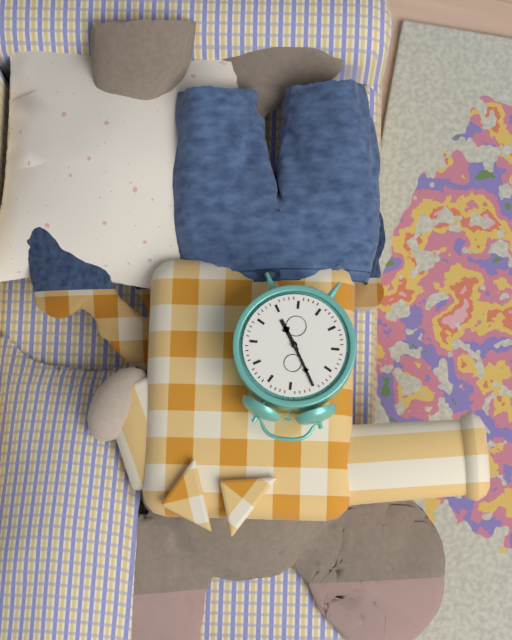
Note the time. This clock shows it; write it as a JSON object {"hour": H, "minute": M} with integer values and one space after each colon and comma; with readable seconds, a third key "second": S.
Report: {"hour": 4, "minute": 55}
